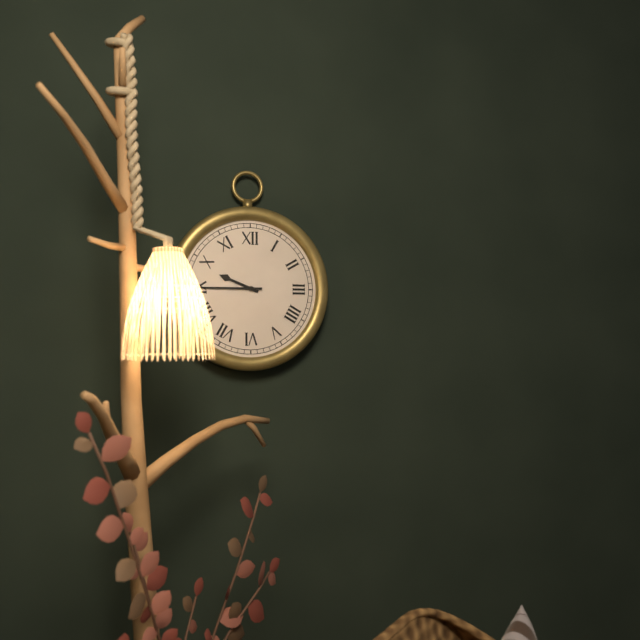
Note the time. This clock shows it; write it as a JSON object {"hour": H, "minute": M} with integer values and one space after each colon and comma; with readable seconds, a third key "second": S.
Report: {"hour": 9, "minute": 45}
